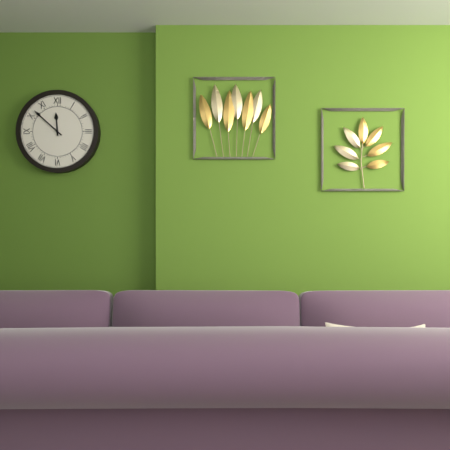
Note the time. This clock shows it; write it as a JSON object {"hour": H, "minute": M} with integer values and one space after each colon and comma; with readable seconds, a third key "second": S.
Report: {"hour": 11, "minute": 52}
